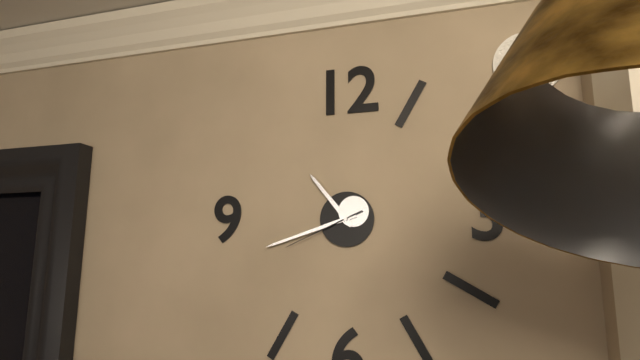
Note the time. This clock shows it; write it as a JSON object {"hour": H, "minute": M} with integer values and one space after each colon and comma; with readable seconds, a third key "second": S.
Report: {"hour": 10, "minute": 42, "second": 41}
